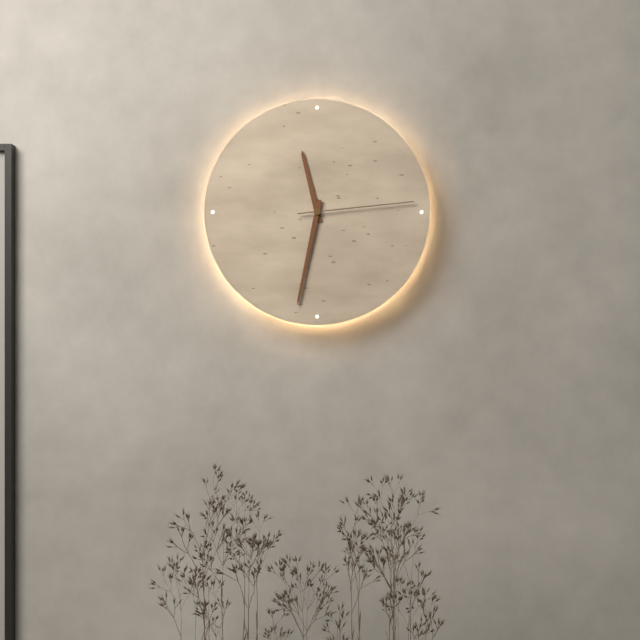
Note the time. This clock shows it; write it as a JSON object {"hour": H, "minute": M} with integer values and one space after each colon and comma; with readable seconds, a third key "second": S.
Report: {"hour": 11, "minute": 32, "second": 14}
